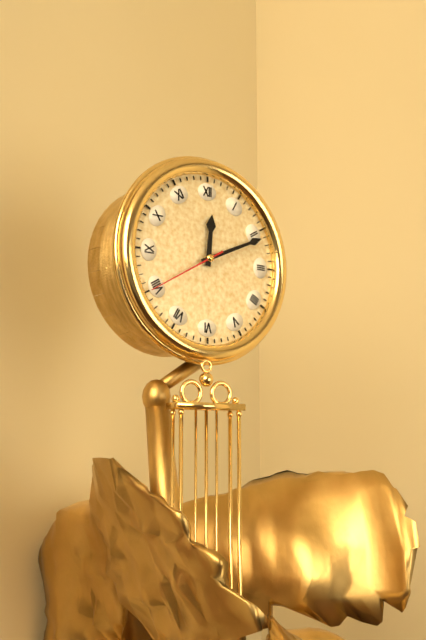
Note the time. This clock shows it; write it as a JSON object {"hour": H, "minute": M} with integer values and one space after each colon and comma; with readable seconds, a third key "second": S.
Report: {"hour": 12, "minute": 11, "second": 40}
